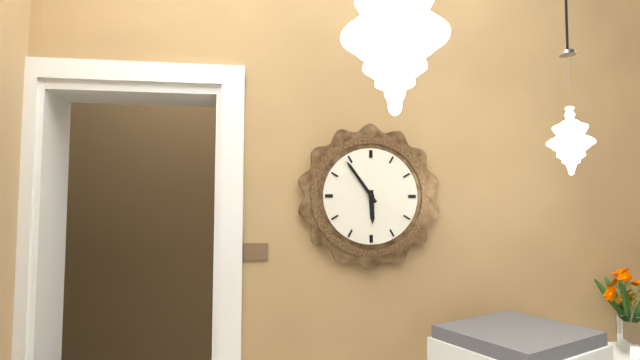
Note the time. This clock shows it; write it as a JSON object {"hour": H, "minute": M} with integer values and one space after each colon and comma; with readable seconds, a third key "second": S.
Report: {"hour": 5, "minute": 54}
